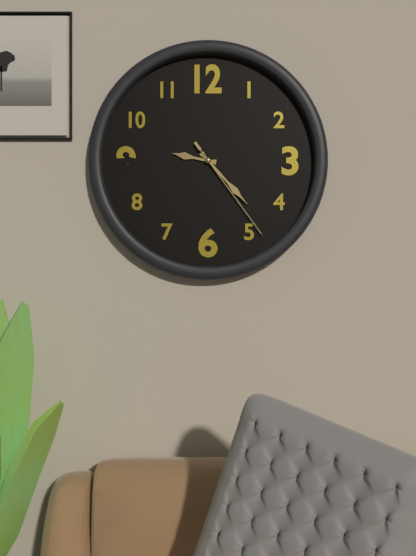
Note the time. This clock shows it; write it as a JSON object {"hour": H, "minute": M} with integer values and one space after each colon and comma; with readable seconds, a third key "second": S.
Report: {"hour": 9, "minute": 23, "second": 24}
